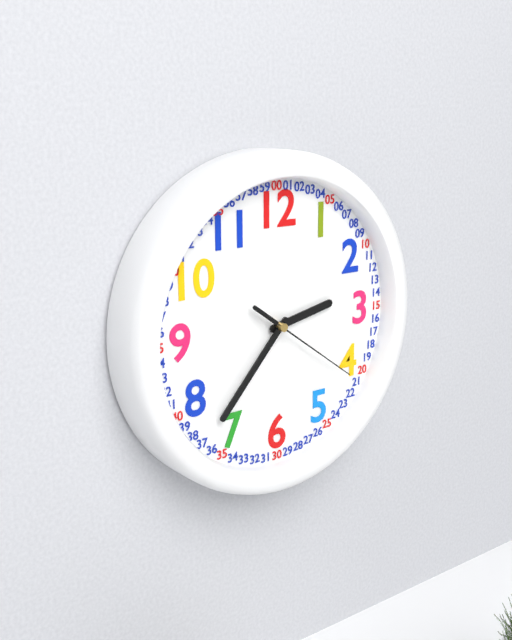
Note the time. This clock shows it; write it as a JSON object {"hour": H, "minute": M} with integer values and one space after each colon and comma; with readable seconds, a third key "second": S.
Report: {"hour": 2, "minute": 37, "second": 21}
